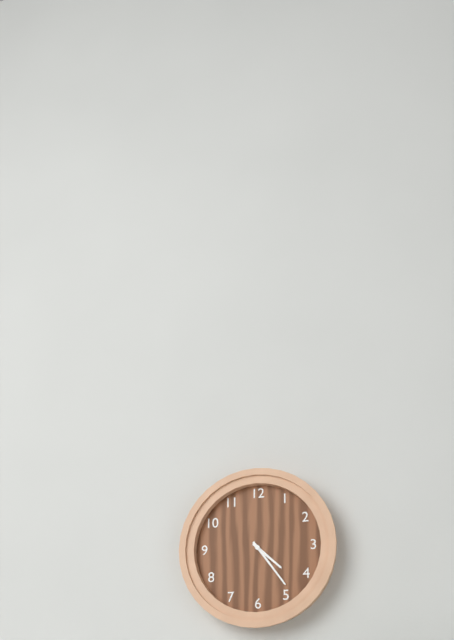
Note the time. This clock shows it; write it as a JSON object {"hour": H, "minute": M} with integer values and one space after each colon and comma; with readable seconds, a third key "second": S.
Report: {"hour": 4, "minute": 24}
